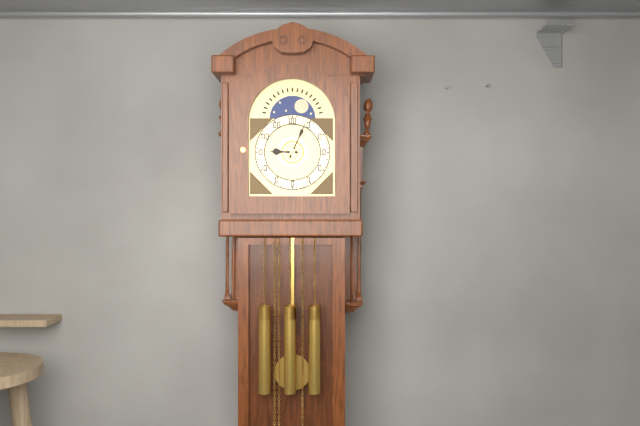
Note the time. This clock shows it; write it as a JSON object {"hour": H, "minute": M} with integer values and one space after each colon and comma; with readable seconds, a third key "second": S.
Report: {"hour": 9, "minute": 4}
